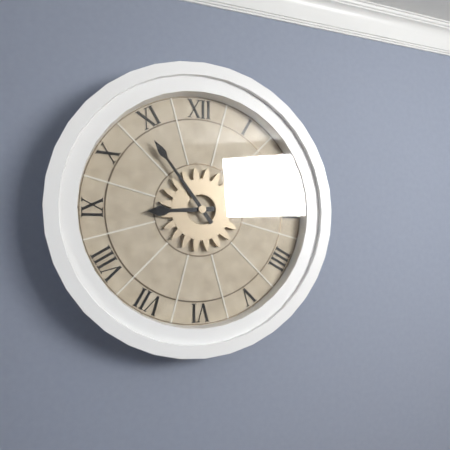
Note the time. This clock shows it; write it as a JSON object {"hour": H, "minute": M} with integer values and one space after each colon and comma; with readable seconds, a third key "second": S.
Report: {"hour": 8, "minute": 54}
